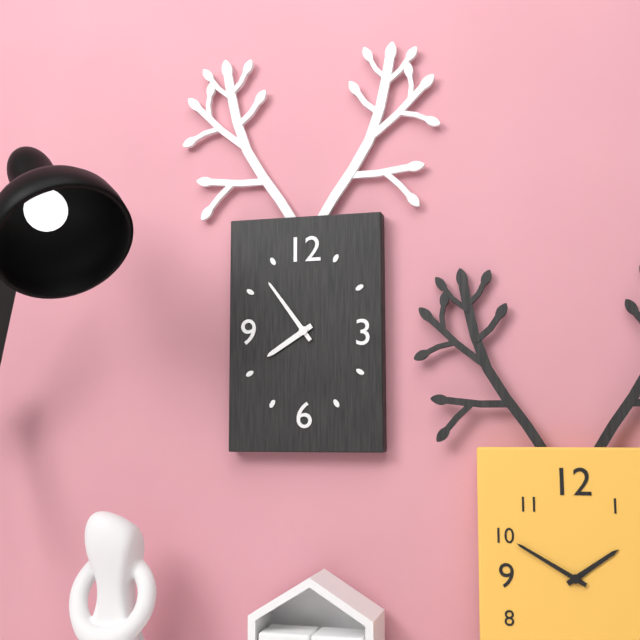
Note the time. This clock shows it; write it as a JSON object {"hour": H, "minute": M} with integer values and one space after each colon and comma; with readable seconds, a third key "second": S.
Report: {"hour": 7, "minute": 54}
